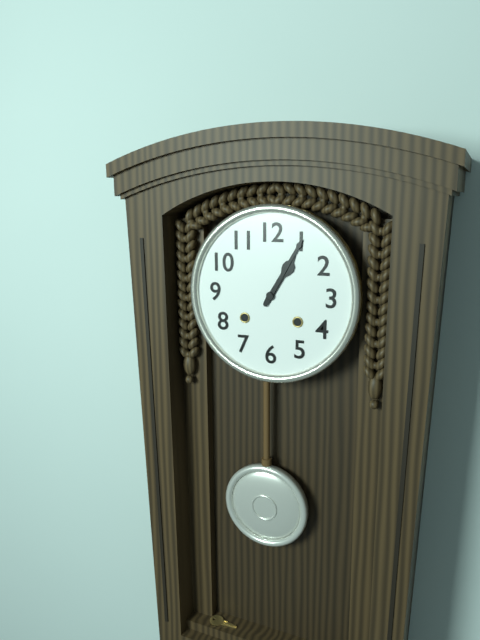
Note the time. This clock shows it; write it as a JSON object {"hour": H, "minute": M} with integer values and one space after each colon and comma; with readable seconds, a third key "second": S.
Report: {"hour": 1, "minute": 5}
